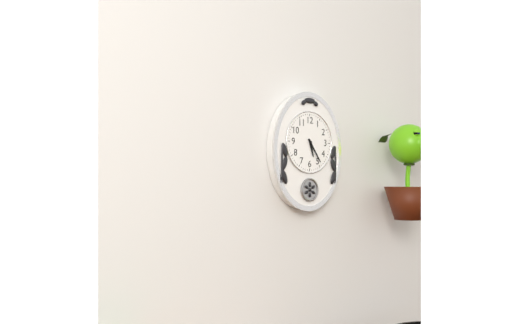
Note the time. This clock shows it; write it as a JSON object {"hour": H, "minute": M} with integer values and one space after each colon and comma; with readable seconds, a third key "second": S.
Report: {"hour": 5, "minute": 24}
